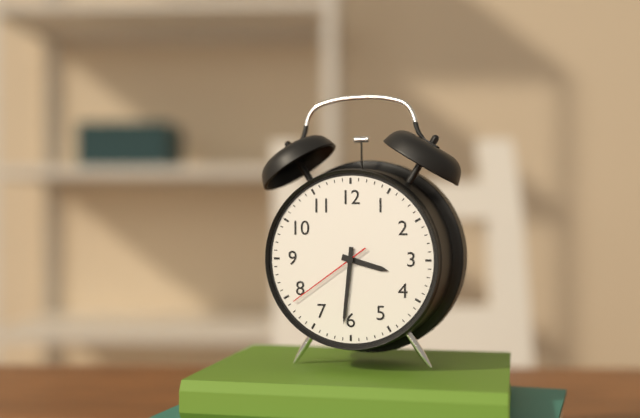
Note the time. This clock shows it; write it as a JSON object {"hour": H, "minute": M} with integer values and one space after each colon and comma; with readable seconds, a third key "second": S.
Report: {"hour": 3, "minute": 31, "second": 39}
